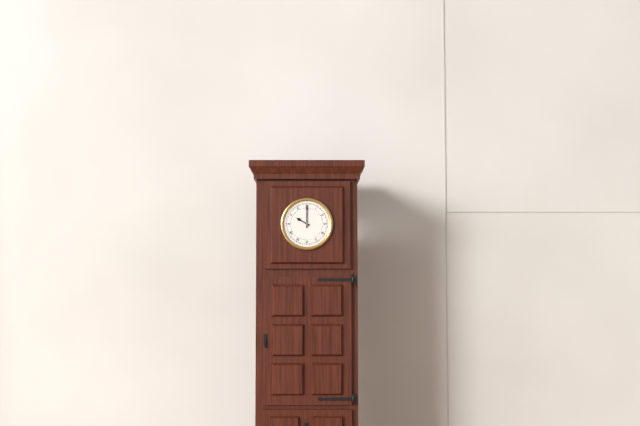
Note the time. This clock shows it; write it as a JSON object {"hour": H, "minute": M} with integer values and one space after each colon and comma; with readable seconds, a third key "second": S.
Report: {"hour": 10, "minute": 0}
